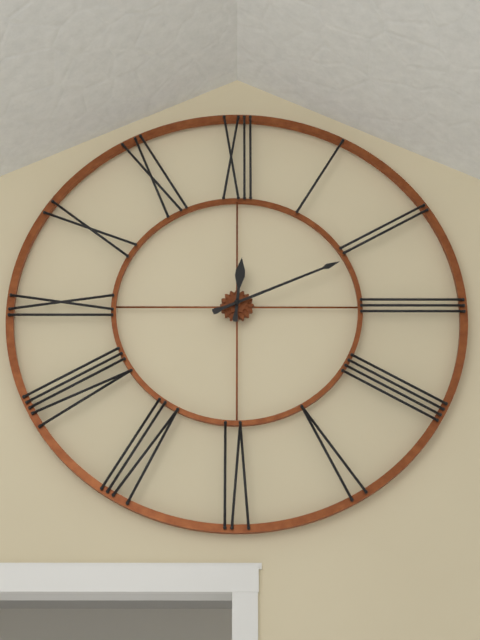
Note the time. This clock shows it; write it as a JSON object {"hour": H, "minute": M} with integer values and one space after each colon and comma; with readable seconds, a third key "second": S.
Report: {"hour": 12, "minute": 11}
